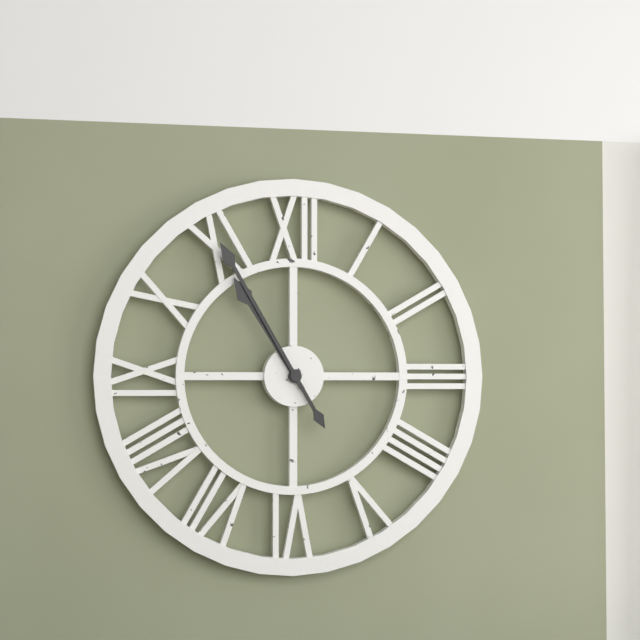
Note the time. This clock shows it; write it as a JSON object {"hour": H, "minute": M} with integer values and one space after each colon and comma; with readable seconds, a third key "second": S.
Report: {"hour": 10, "minute": 55}
